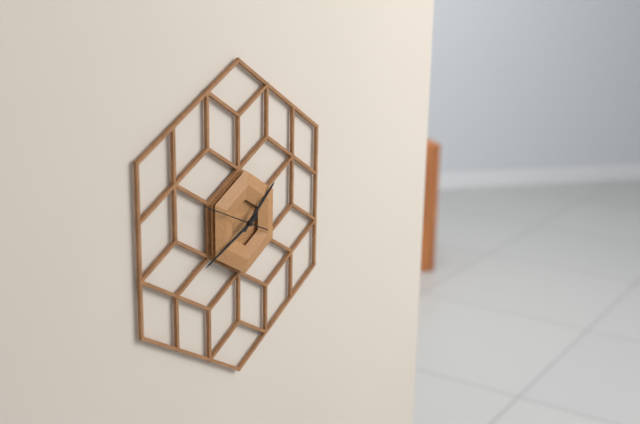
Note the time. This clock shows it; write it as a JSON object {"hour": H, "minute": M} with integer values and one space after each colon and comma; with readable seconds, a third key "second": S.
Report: {"hour": 1, "minute": 41, "second": 49}
